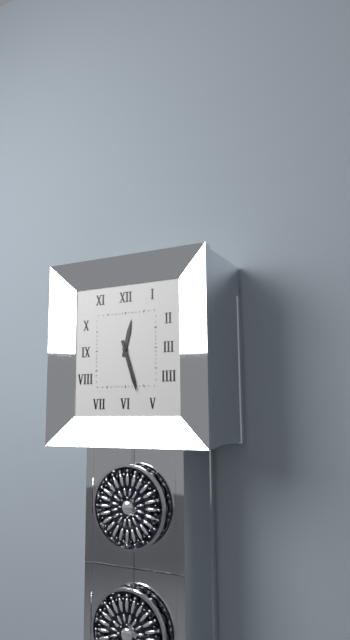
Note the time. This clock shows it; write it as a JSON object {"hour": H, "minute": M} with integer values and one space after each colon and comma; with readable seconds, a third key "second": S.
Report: {"hour": 12, "minute": 27}
